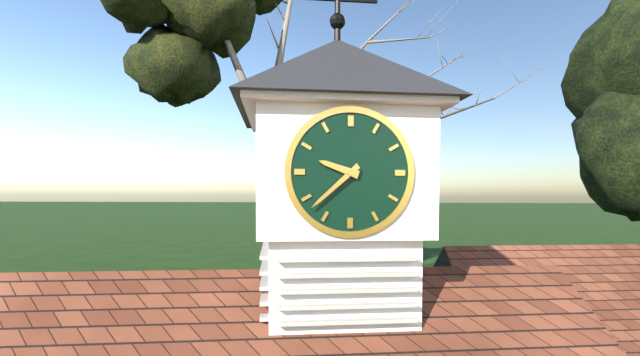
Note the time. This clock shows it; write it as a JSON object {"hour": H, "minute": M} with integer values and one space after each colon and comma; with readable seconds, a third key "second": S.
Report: {"hour": 9, "minute": 38}
